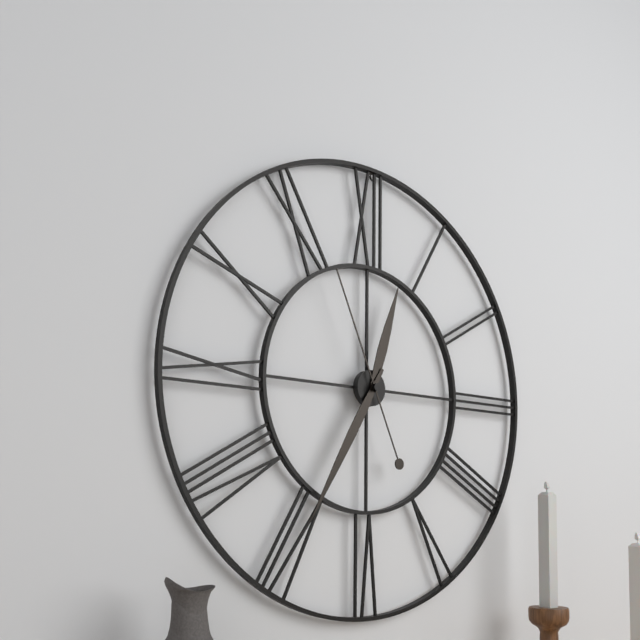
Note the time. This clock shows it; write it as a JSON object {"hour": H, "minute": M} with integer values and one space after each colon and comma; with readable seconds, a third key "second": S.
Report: {"hour": 12, "minute": 35, "second": 56}
